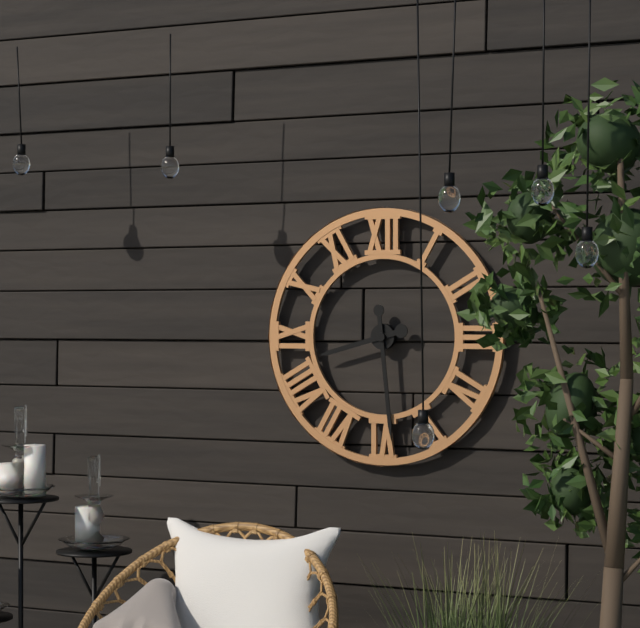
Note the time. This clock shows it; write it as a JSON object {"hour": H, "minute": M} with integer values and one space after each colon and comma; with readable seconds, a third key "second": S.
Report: {"hour": 8, "minute": 29}
